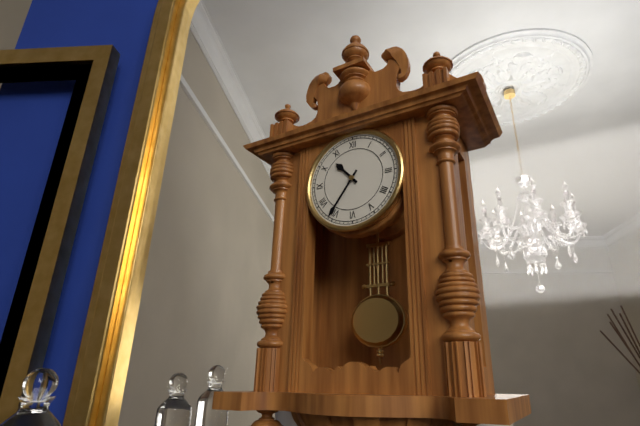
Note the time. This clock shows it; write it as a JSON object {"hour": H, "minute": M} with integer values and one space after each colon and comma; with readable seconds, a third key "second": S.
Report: {"hour": 10, "minute": 36}
